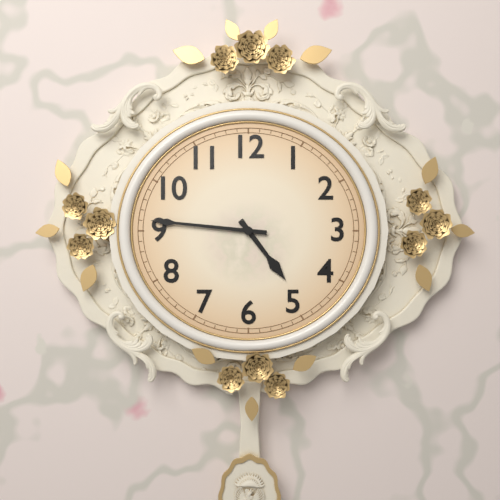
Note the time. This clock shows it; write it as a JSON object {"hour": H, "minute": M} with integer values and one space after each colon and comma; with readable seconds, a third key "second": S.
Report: {"hour": 4, "minute": 46}
